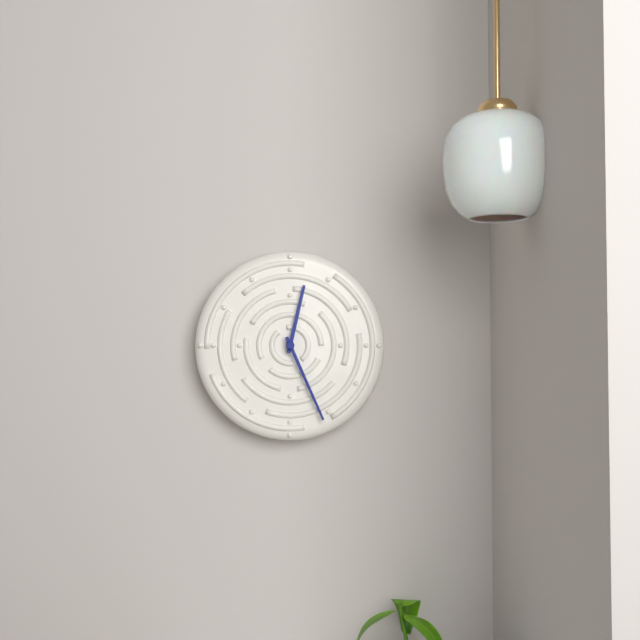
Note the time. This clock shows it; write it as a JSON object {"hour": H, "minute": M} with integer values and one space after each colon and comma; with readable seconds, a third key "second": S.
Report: {"hour": 12, "minute": 26}
